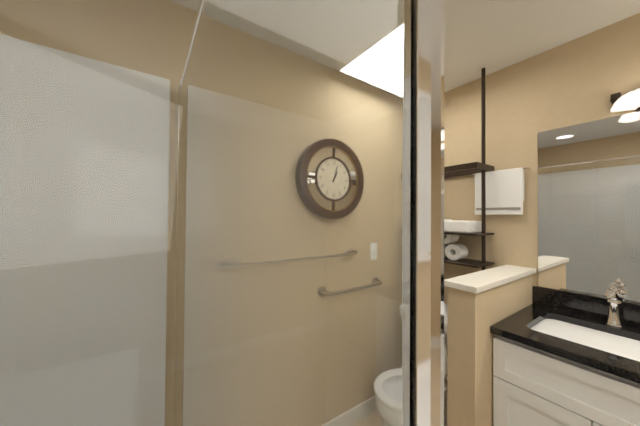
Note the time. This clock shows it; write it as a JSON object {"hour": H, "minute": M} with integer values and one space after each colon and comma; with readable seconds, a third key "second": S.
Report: {"hour": 1, "minute": 3}
